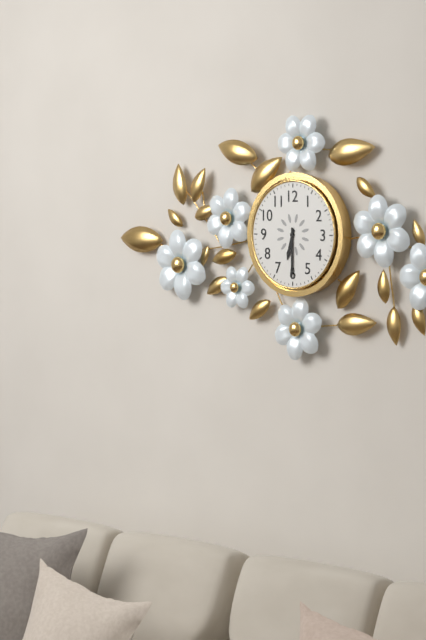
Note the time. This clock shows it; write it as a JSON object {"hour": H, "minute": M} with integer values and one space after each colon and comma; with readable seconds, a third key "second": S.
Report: {"hour": 6, "minute": 30}
